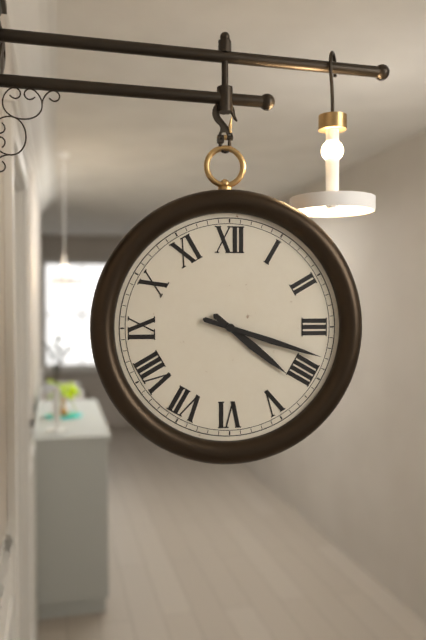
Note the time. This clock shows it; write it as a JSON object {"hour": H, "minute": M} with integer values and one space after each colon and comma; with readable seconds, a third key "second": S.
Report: {"hour": 4, "minute": 18}
